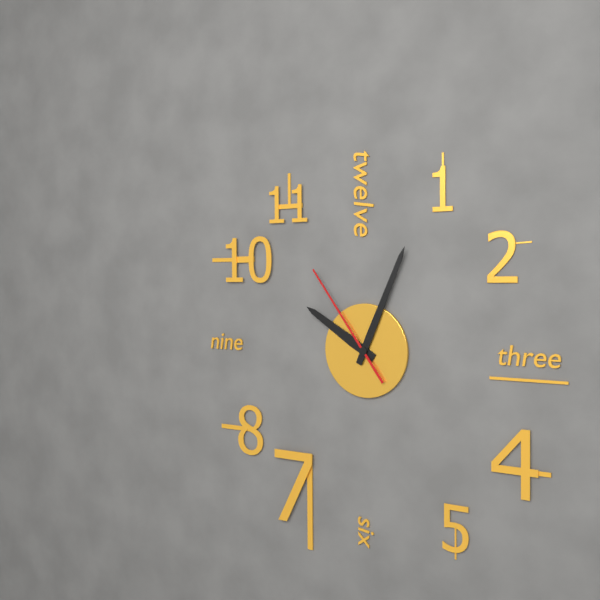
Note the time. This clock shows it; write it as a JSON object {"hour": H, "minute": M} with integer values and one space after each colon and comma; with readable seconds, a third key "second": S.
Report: {"hour": 10, "minute": 4, "second": 54}
